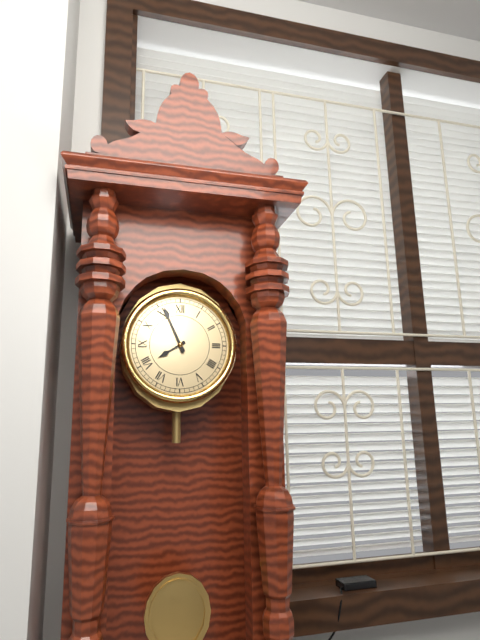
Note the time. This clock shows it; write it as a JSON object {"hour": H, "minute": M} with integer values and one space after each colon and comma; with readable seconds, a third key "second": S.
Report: {"hour": 7, "minute": 56}
